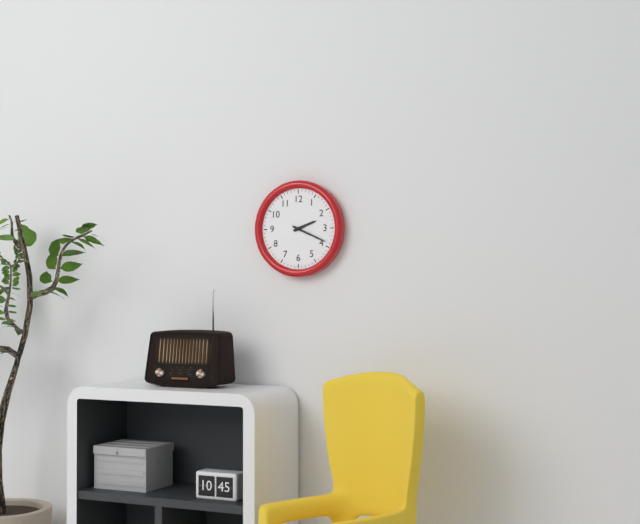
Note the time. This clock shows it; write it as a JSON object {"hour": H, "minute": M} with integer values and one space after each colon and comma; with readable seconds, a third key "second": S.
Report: {"hour": 2, "minute": 19}
